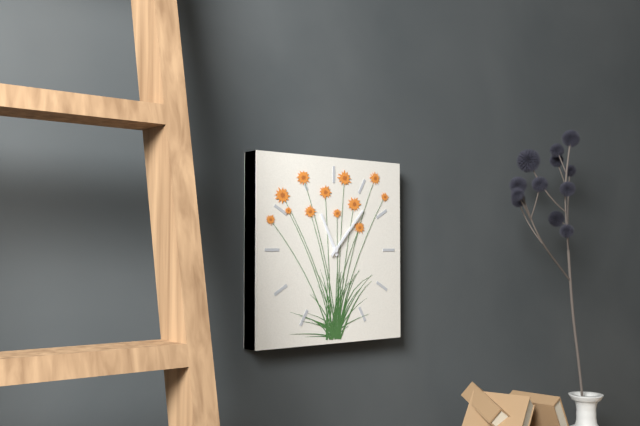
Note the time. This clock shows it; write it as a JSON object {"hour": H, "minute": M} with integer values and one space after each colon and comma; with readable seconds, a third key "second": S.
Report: {"hour": 11, "minute": 7}
